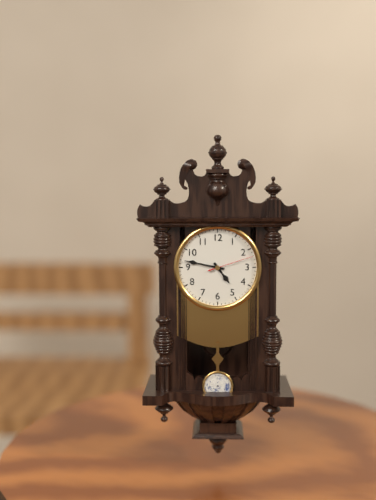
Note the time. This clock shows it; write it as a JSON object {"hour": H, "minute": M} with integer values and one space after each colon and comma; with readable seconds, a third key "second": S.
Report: {"hour": 4, "minute": 47}
